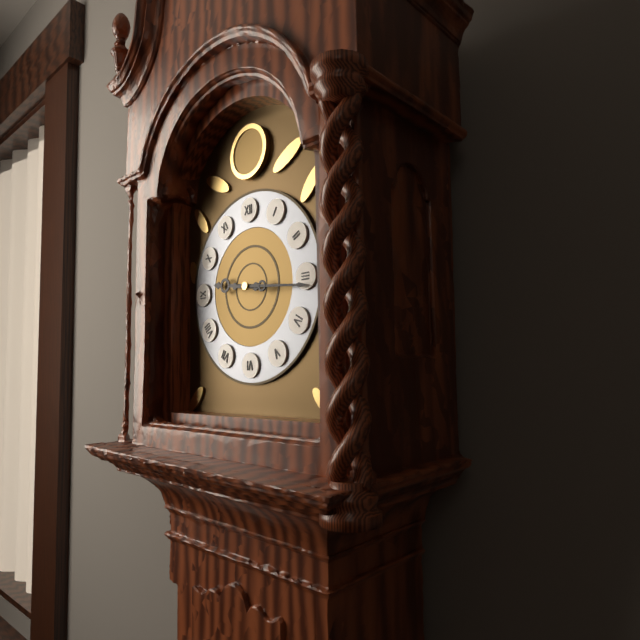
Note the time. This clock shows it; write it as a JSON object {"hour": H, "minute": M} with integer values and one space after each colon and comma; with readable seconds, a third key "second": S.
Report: {"hour": 9, "minute": 16}
